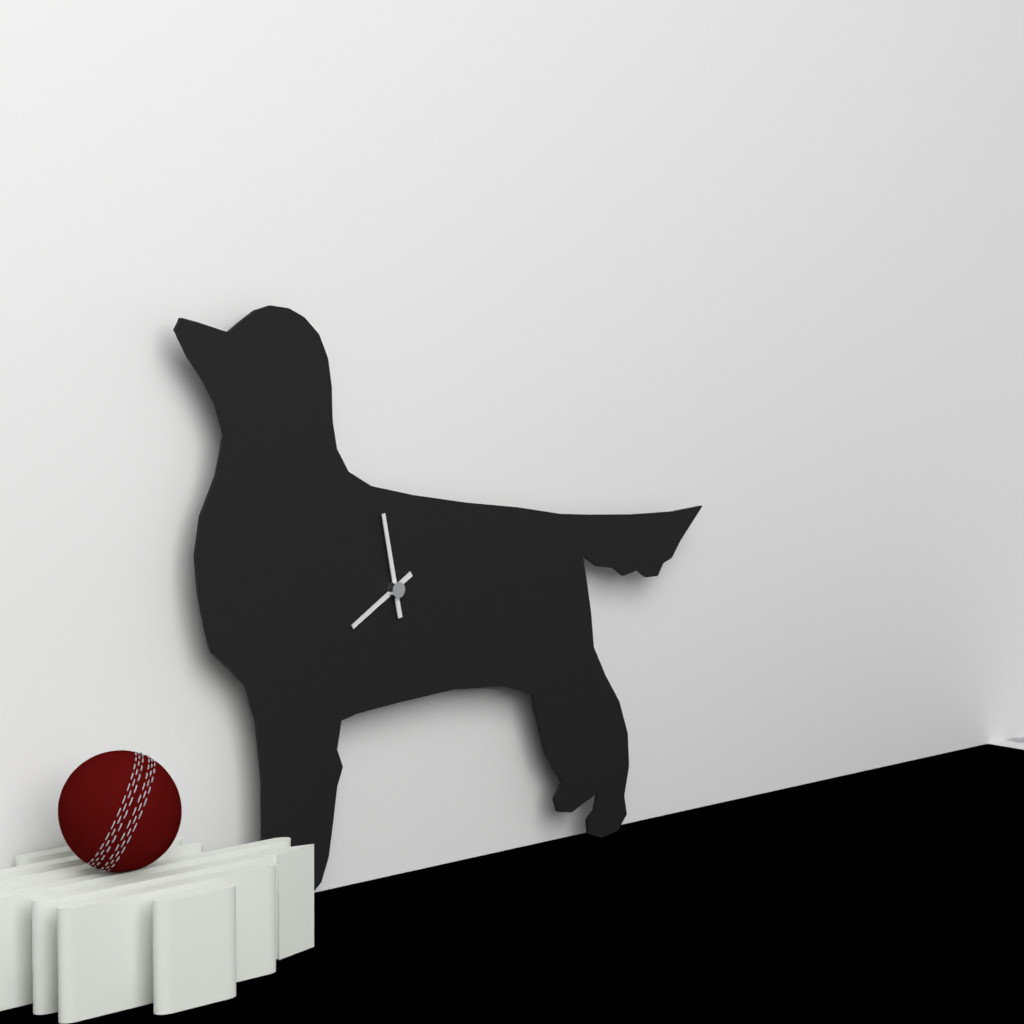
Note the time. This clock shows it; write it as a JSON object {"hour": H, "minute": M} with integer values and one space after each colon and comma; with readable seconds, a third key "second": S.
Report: {"hour": 7, "minute": 58}
